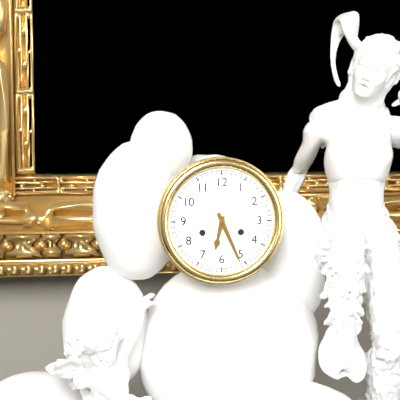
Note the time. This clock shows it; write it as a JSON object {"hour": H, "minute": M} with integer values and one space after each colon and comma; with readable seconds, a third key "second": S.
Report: {"hour": 6, "minute": 26}
